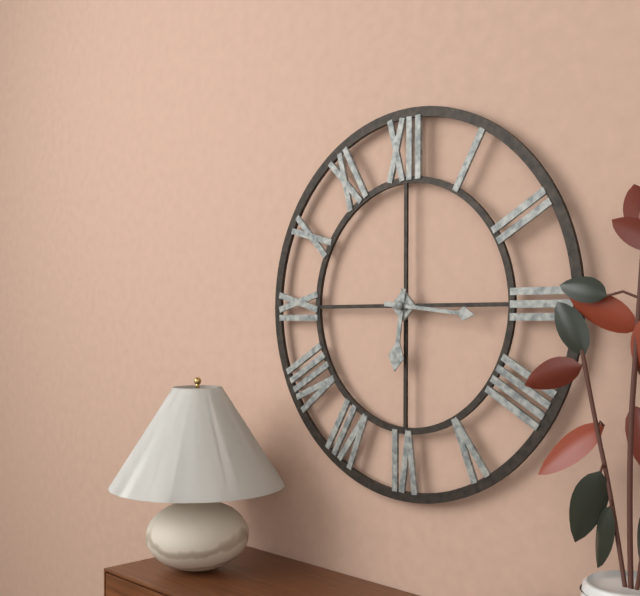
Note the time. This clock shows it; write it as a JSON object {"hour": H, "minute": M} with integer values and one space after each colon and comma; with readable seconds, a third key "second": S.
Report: {"hour": 6, "minute": 16}
